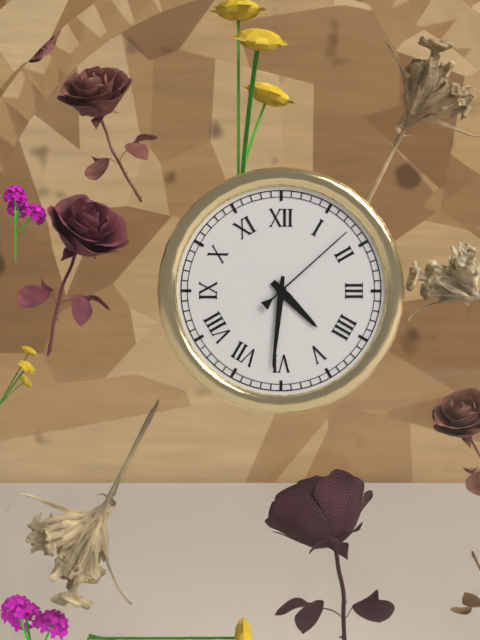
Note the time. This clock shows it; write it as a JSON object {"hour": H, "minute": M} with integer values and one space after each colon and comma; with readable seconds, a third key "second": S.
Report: {"hour": 4, "minute": 31, "second": 8}
